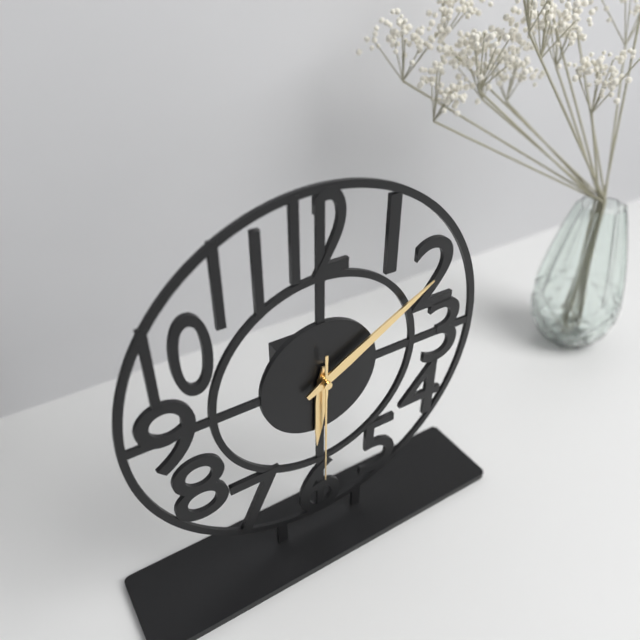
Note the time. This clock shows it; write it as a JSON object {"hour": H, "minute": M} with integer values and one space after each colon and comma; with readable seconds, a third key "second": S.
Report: {"hour": 6, "minute": 10, "second": 30}
